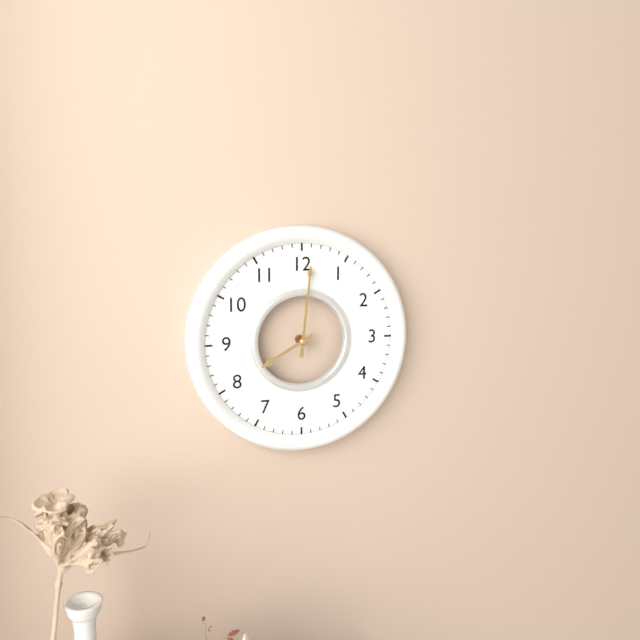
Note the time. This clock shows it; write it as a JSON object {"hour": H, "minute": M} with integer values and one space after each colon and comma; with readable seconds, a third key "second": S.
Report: {"hour": 8, "minute": 1}
